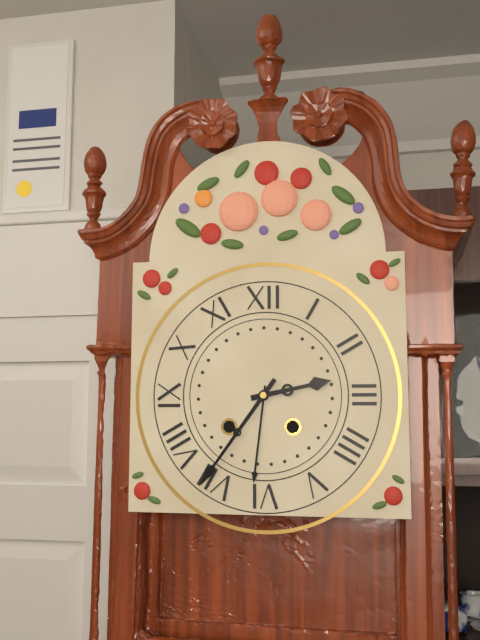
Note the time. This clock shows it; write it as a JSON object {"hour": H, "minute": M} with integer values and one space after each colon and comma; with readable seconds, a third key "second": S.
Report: {"hour": 2, "minute": 36}
